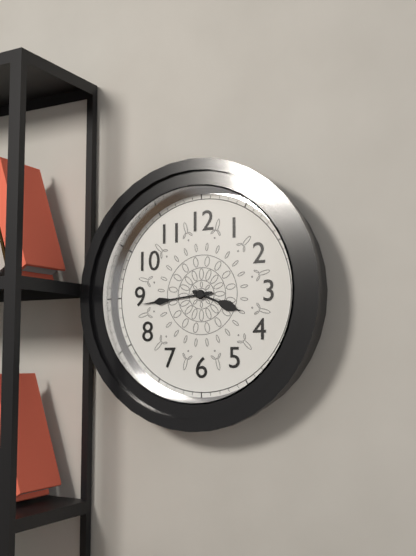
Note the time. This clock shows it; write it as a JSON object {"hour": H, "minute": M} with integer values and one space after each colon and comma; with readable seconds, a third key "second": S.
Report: {"hour": 3, "minute": 44}
